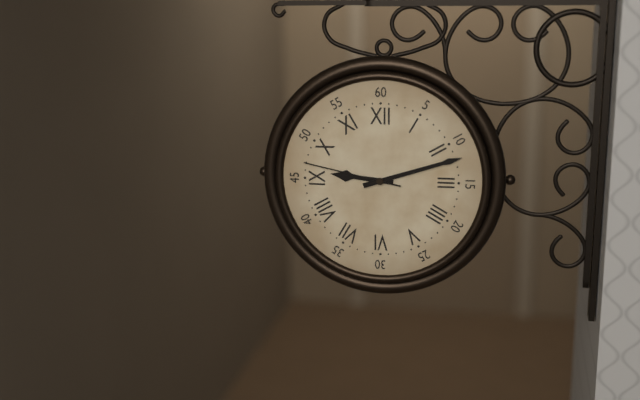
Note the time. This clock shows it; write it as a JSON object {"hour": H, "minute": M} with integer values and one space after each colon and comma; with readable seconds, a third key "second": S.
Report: {"hour": 9, "minute": 12, "second": 47}
